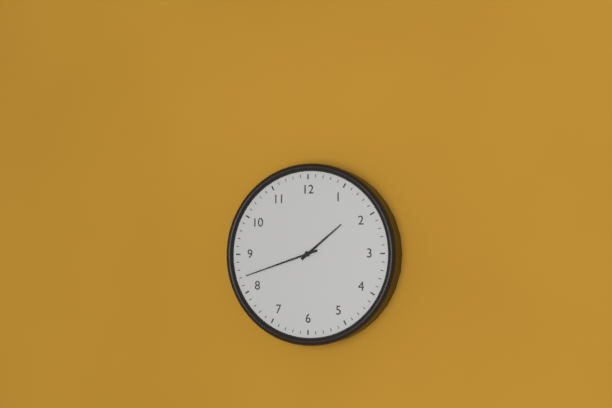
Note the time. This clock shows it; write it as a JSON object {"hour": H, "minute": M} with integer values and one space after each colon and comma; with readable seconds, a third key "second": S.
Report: {"hour": 1, "minute": 42}
